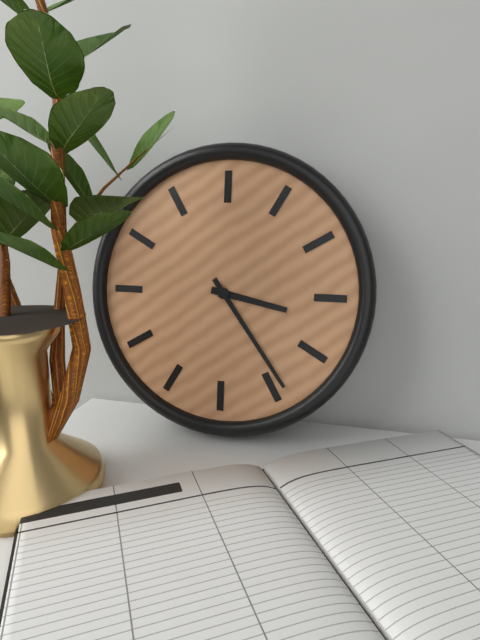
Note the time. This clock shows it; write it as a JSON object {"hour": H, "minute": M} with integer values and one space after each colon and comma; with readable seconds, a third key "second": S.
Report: {"hour": 3, "minute": 24}
